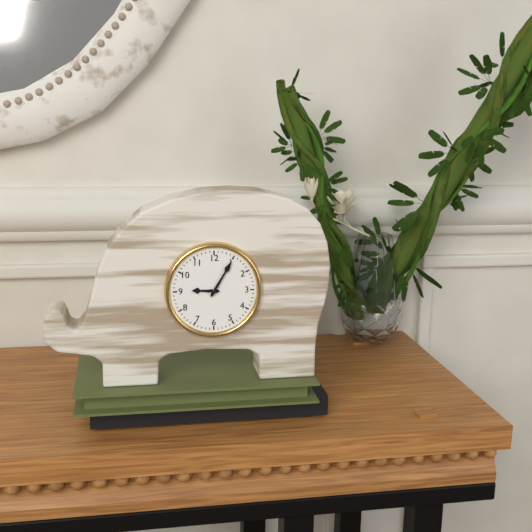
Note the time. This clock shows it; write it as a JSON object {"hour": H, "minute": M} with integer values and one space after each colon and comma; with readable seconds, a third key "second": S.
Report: {"hour": 9, "minute": 5}
